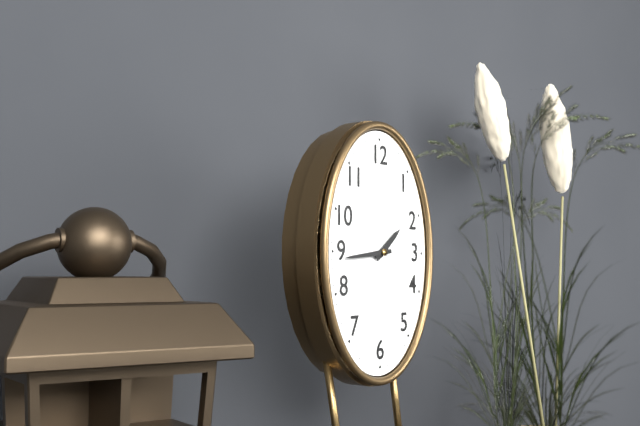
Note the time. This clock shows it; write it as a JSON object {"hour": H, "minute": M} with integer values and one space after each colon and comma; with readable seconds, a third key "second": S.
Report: {"hour": 1, "minute": 44}
